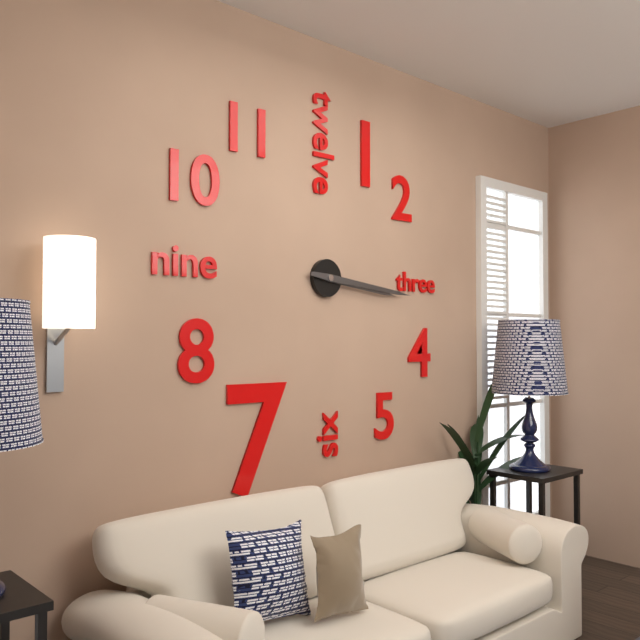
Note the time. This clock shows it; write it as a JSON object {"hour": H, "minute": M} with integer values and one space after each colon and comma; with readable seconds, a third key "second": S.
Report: {"hour": 3, "minute": 16}
